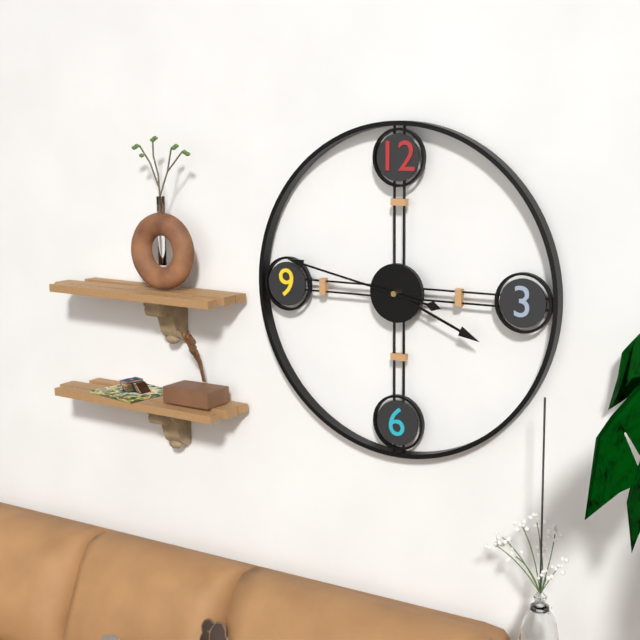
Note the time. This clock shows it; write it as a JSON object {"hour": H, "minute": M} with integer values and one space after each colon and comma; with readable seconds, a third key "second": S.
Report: {"hour": 3, "minute": 47}
